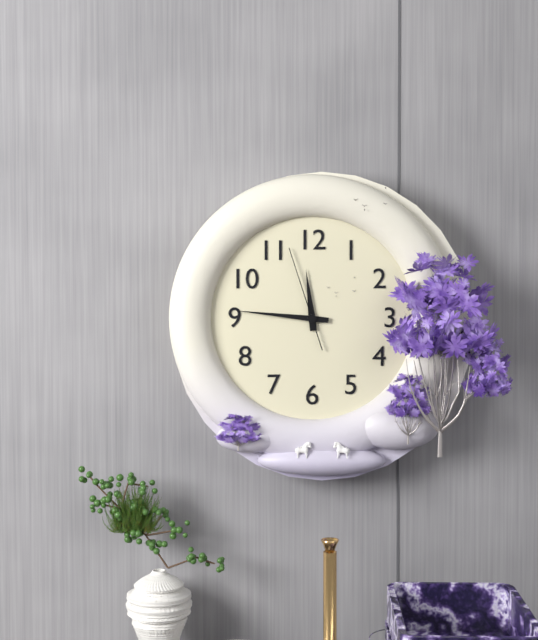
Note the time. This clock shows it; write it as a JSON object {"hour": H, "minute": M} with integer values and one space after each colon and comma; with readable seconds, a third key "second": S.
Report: {"hour": 11, "minute": 46, "second": 57}
